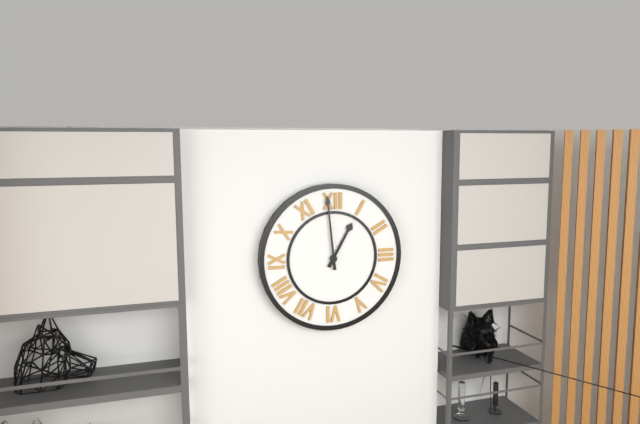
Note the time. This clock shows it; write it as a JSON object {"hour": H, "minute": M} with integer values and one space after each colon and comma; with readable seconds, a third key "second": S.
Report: {"hour": 12, "minute": 59}
